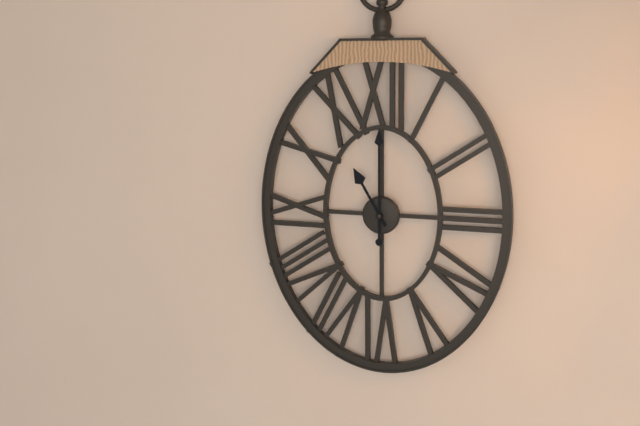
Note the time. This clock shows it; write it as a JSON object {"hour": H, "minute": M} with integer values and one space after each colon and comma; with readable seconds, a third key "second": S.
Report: {"hour": 11, "minute": 0}
